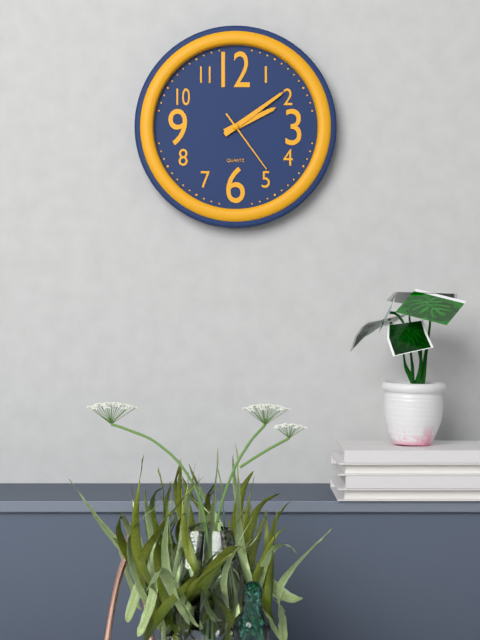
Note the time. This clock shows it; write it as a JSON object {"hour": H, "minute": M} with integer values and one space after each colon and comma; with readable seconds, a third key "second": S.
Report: {"hour": 2, "minute": 9, "second": 24}
